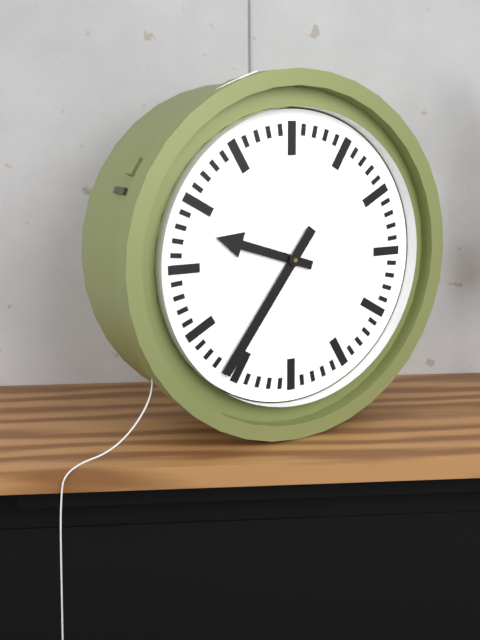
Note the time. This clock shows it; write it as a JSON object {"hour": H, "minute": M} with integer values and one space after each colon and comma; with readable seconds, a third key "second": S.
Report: {"hour": 9, "minute": 36}
